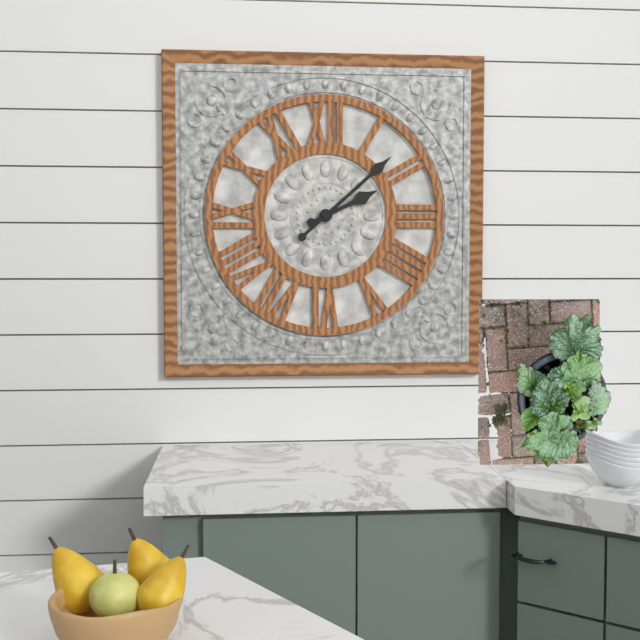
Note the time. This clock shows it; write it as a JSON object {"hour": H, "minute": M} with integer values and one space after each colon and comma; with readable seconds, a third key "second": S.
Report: {"hour": 2, "minute": 8}
